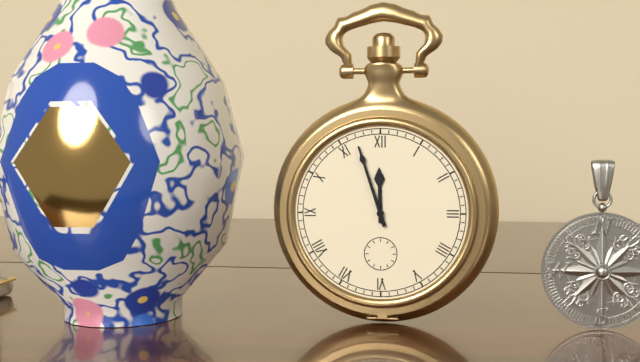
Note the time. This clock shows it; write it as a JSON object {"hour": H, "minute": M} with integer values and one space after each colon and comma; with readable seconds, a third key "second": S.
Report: {"hour": 11, "minute": 57}
